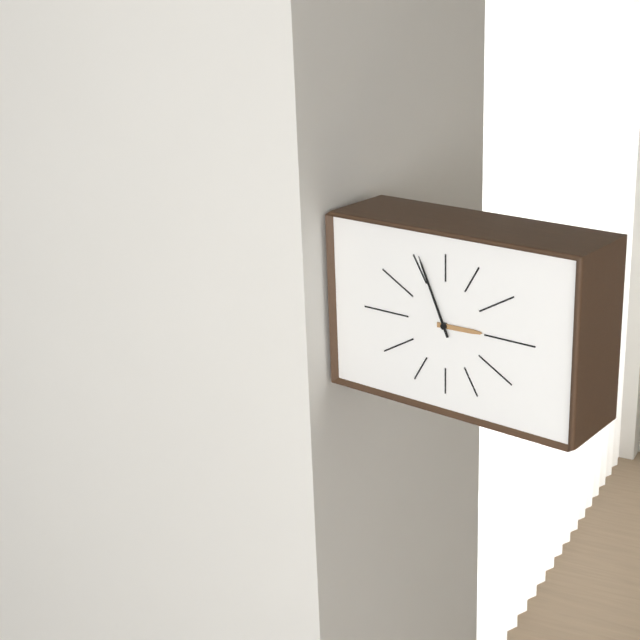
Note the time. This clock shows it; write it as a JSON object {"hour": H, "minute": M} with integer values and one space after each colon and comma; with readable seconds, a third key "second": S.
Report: {"hour": 2, "minute": 56}
